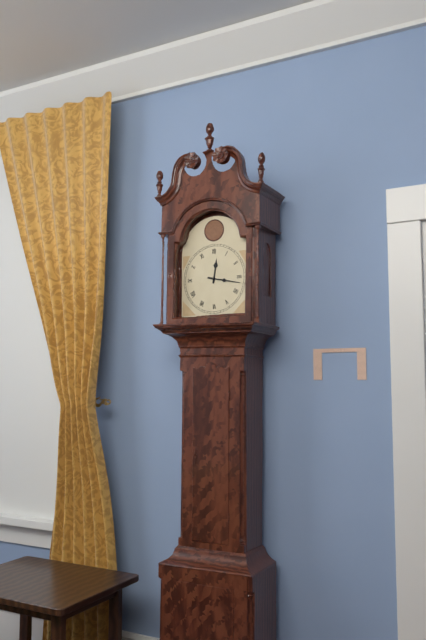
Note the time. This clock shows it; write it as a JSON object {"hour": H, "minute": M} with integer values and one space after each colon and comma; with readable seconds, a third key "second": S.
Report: {"hour": 12, "minute": 17}
